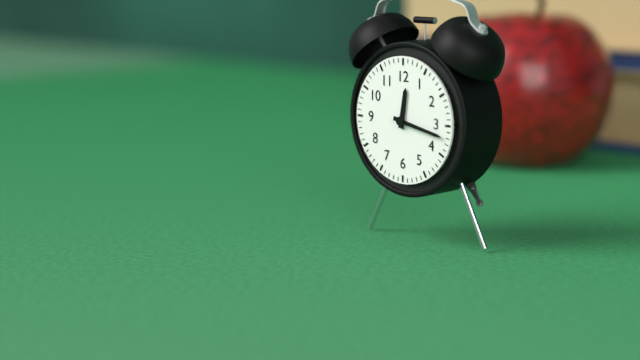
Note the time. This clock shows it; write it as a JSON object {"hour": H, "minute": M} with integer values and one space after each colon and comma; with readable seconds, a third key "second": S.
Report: {"hour": 12, "minute": 17}
